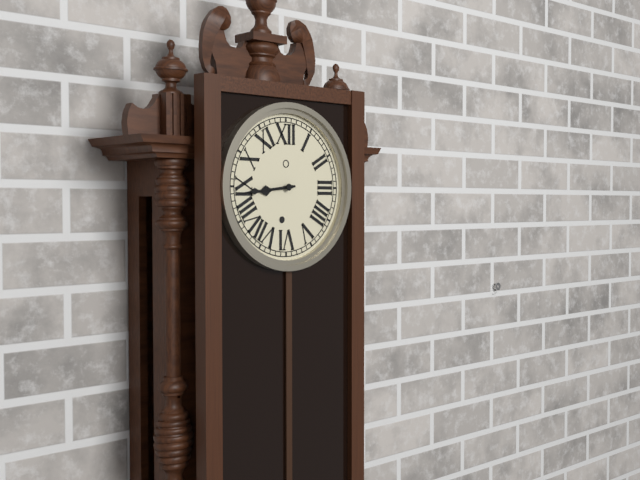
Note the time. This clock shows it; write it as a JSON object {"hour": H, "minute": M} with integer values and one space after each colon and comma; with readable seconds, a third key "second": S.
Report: {"hour": 8, "minute": 44}
